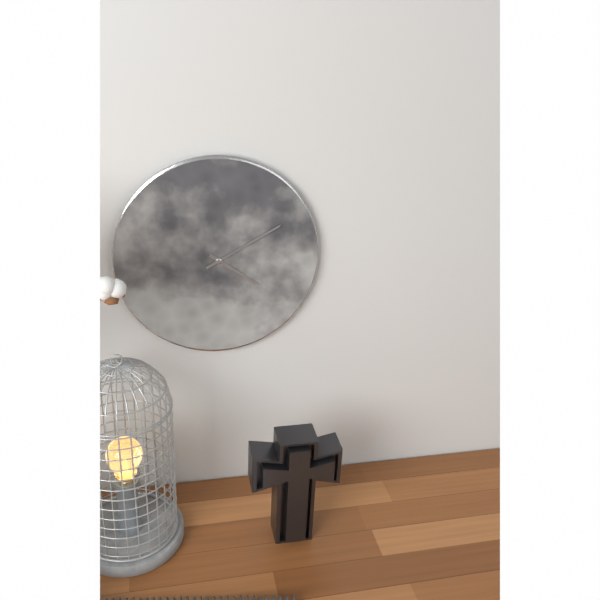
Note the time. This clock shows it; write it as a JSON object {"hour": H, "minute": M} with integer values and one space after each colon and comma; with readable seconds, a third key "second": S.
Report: {"hour": 4, "minute": 10}
